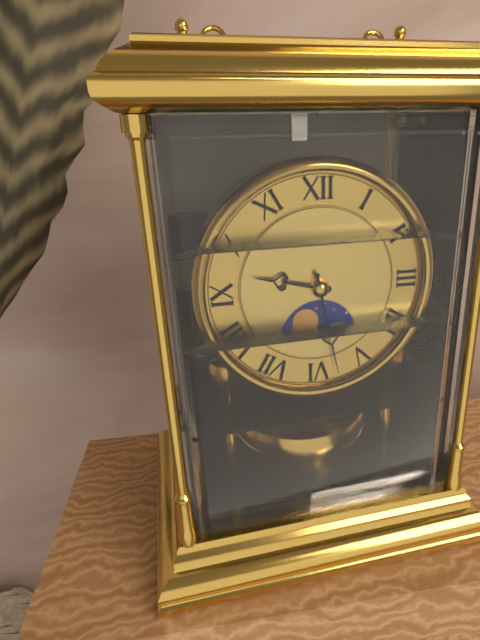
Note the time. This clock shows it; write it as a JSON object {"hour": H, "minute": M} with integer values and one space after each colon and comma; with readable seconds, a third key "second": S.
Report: {"hour": 9, "minute": 28}
